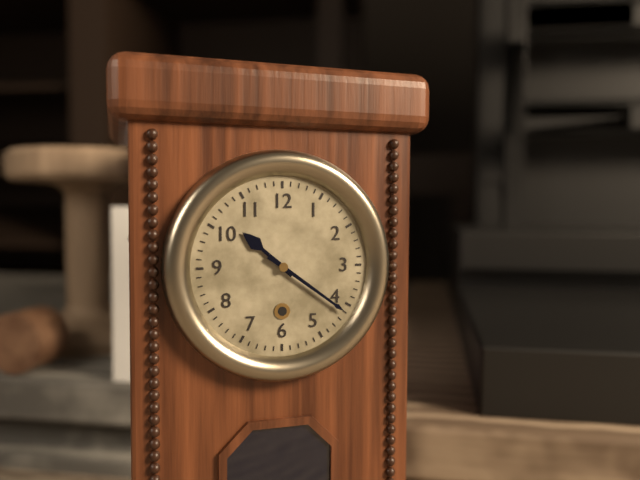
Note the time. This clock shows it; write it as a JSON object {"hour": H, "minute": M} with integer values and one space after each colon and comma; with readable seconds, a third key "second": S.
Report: {"hour": 10, "minute": 21}
